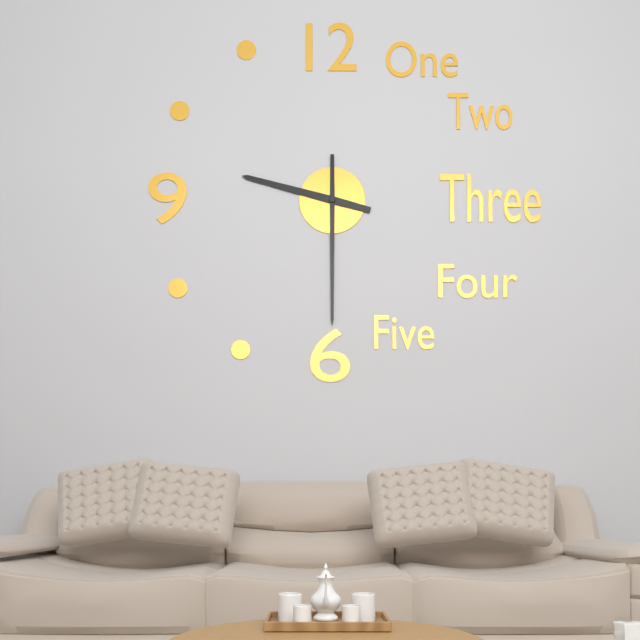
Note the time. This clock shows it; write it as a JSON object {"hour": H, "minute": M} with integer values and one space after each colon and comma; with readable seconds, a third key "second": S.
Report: {"hour": 9, "minute": 30}
